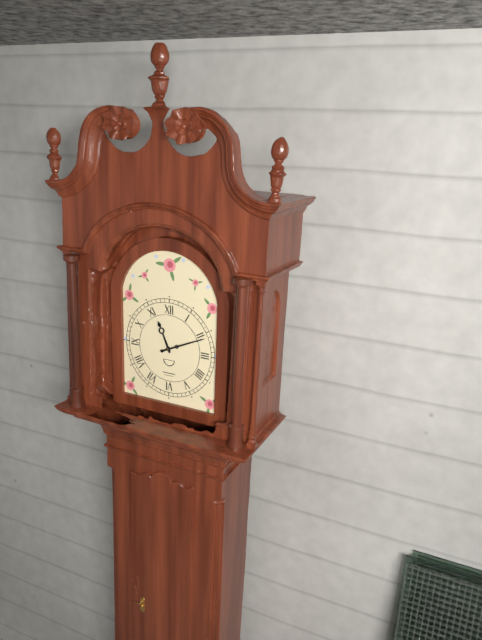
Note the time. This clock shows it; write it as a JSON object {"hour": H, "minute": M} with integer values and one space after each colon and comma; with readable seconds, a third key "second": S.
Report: {"hour": 11, "minute": 11}
